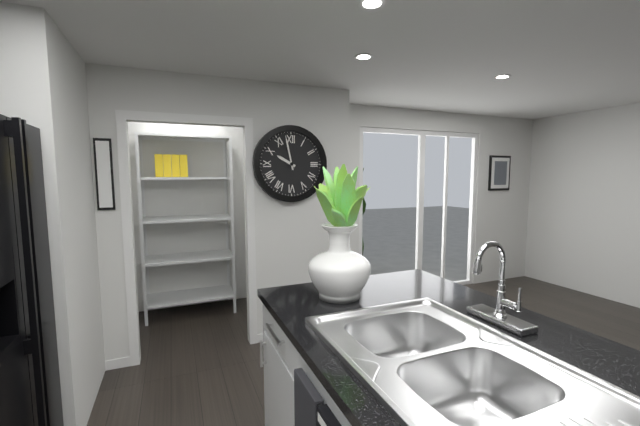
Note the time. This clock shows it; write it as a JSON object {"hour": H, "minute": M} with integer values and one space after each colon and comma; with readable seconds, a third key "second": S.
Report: {"hour": 9, "minute": 58}
